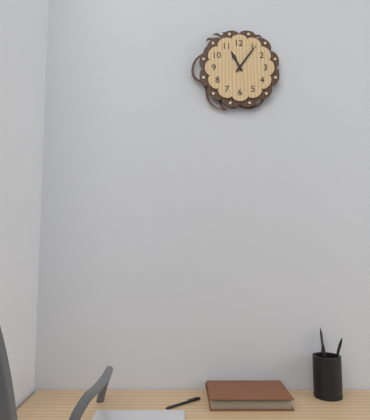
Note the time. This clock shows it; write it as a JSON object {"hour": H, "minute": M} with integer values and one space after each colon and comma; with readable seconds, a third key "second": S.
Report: {"hour": 11, "minute": 6}
